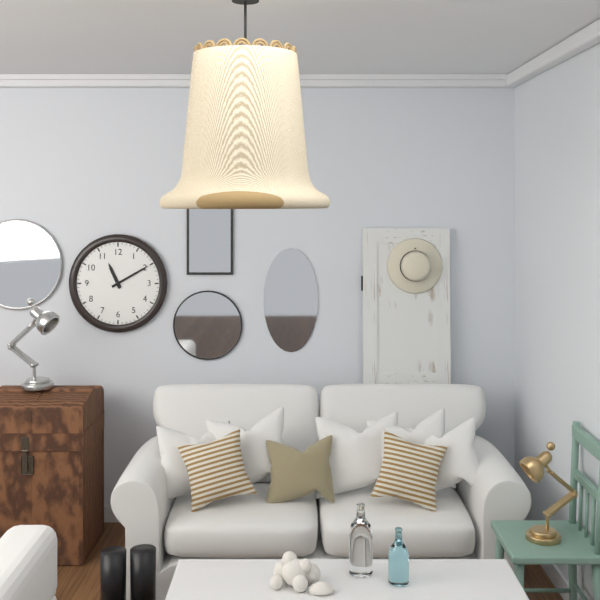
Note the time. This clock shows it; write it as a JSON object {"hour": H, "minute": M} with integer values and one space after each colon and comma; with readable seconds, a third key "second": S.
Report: {"hour": 11, "minute": 10}
